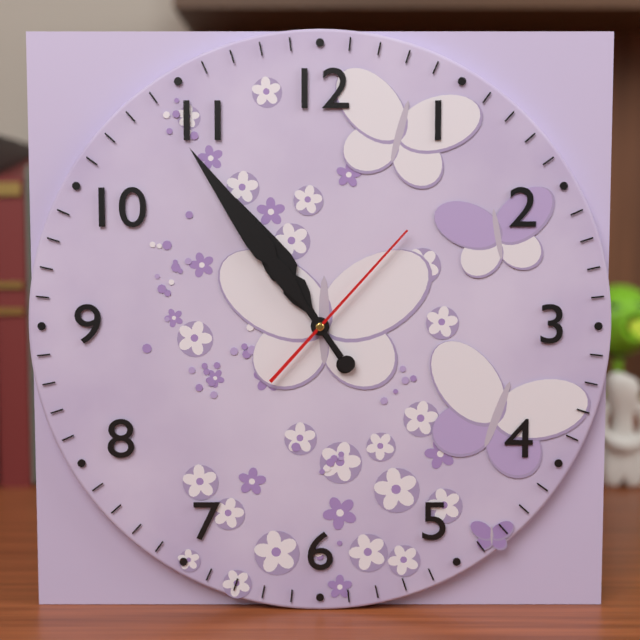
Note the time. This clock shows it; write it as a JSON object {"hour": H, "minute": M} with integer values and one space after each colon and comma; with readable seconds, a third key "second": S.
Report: {"hour": 10, "minute": 54, "second": 7}
